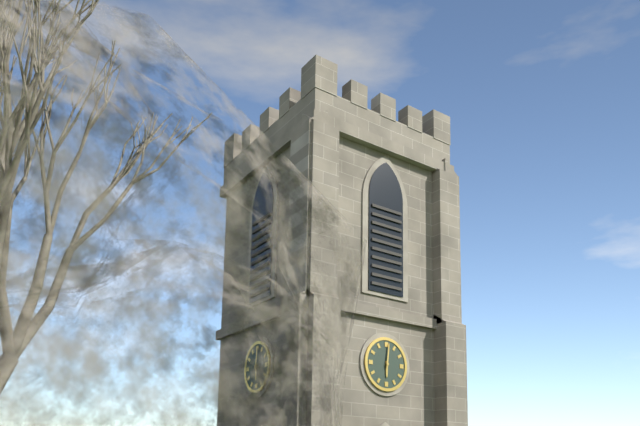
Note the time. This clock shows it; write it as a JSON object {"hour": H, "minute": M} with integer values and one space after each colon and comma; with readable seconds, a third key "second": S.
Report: {"hour": 6, "minute": 1}
